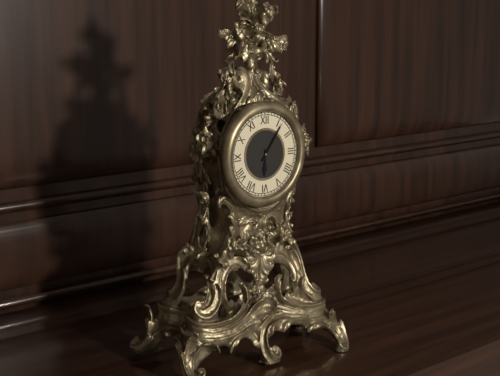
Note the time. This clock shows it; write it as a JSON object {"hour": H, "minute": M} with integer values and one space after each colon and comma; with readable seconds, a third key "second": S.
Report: {"hour": 6, "minute": 6}
